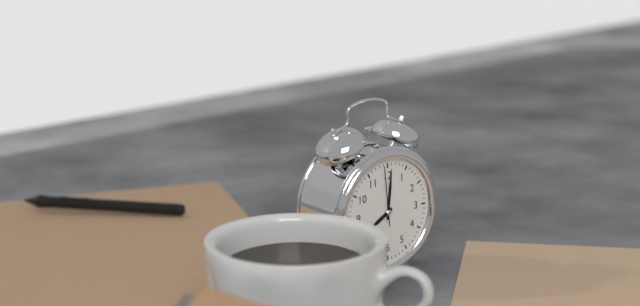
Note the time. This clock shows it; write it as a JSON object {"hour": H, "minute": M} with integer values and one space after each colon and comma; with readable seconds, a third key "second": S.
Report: {"hour": 8, "minute": 1, "second": 59}
